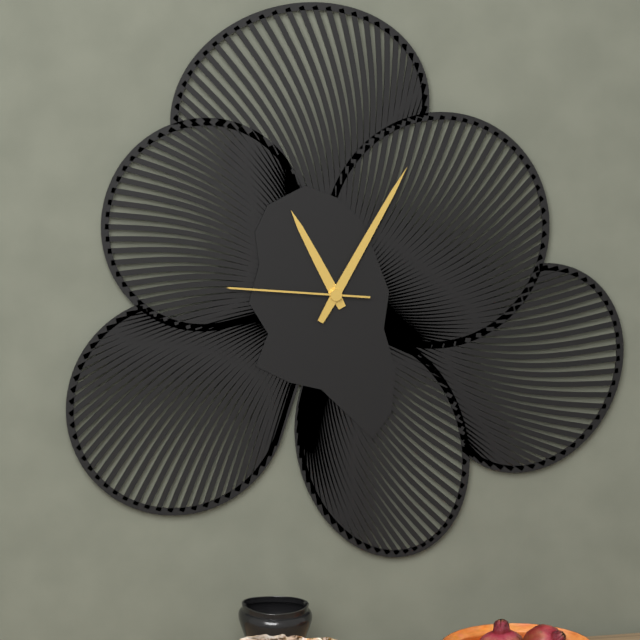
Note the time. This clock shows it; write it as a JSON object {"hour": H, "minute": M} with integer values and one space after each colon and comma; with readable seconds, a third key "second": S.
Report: {"hour": 11, "minute": 5, "second": 46}
